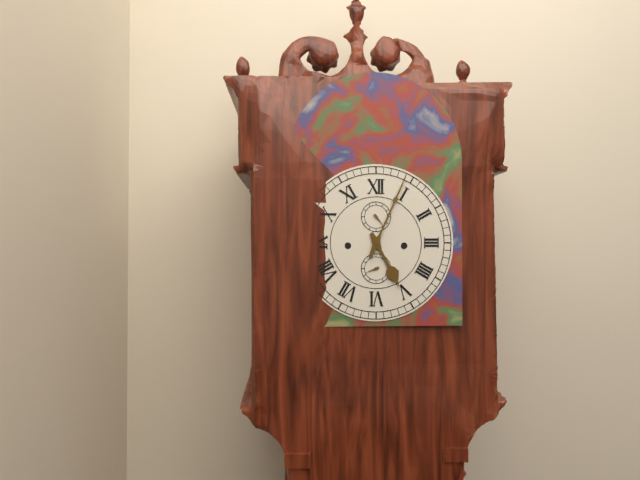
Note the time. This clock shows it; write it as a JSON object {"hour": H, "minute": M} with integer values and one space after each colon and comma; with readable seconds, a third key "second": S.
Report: {"hour": 5, "minute": 4}
